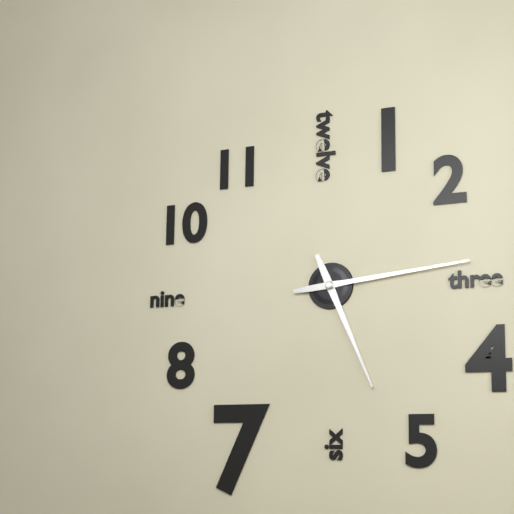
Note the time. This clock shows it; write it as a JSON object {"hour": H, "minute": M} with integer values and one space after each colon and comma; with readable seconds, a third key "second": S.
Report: {"hour": 5, "minute": 14}
